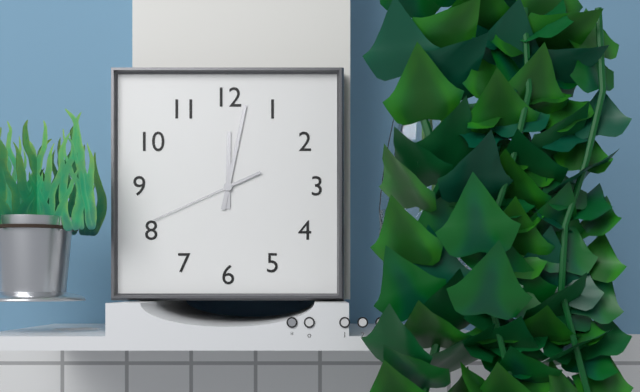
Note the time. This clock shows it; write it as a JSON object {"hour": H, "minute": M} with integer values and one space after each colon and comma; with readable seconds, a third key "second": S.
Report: {"hour": 12, "minute": 2, "second": 41}
